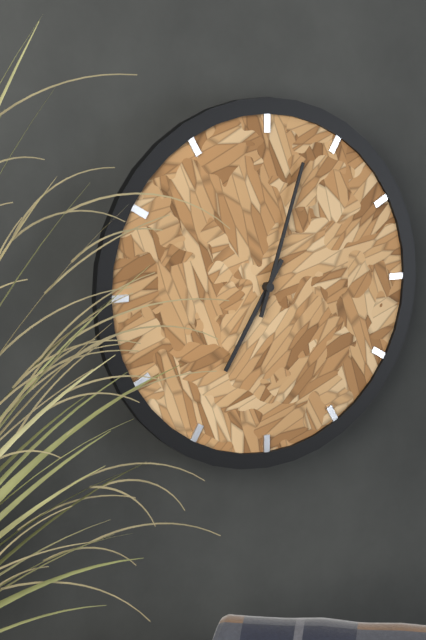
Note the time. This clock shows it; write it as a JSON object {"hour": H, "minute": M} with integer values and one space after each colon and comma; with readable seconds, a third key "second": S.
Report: {"hour": 7, "minute": 3}
